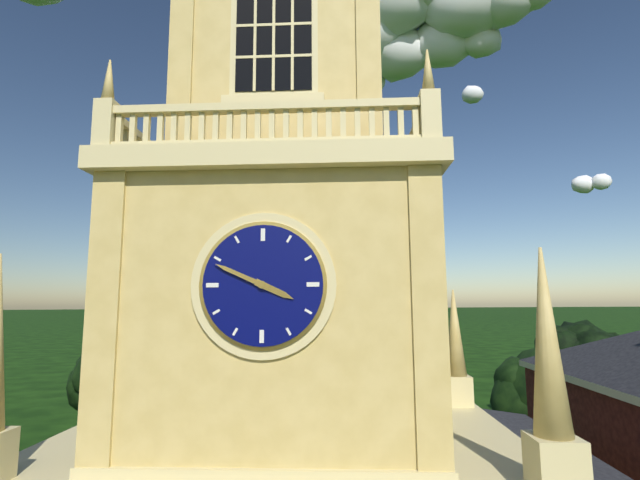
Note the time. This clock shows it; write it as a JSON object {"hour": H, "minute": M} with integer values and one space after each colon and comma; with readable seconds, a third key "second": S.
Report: {"hour": 3, "minute": 49}
